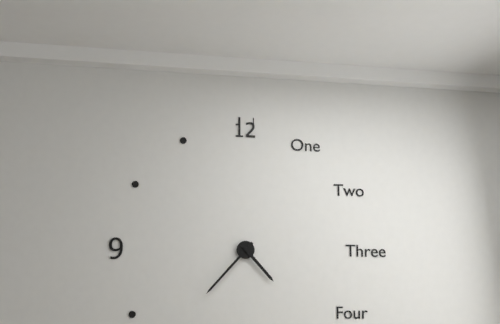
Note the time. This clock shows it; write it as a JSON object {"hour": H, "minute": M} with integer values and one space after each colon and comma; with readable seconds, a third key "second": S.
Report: {"hour": 4, "minute": 37}
